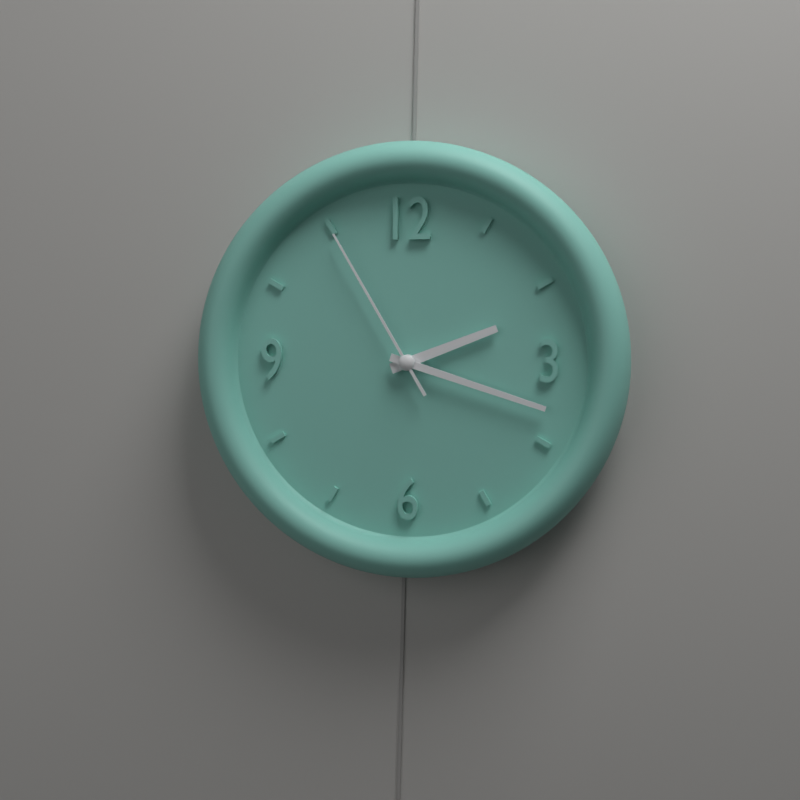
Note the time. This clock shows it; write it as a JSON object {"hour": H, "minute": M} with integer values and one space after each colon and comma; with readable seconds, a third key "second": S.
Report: {"hour": 2, "minute": 18, "second": 55}
